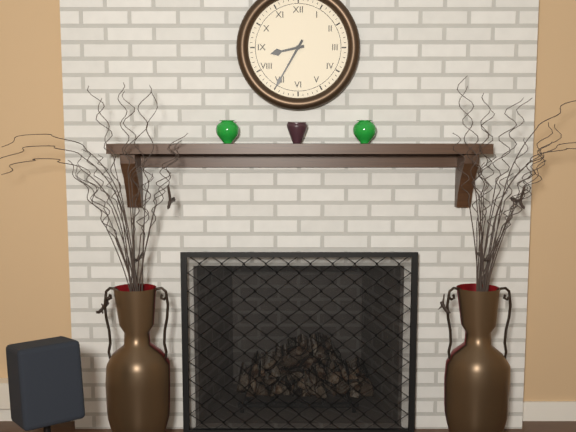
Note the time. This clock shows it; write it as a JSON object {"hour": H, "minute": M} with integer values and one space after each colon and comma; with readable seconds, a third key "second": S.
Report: {"hour": 8, "minute": 35}
